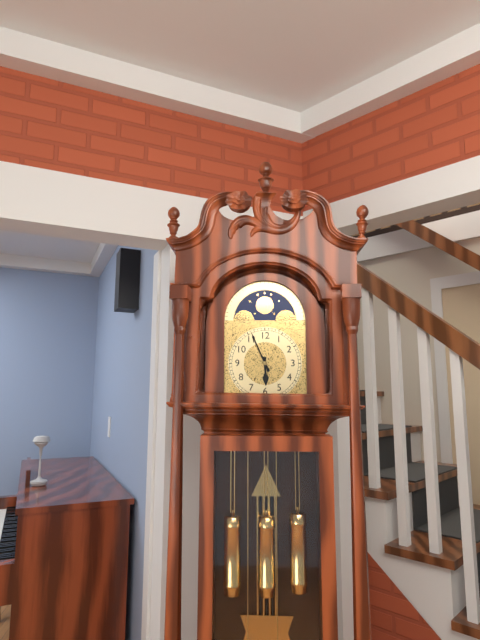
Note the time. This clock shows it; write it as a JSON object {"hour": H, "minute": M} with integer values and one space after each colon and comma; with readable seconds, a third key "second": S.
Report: {"hour": 5, "minute": 56}
